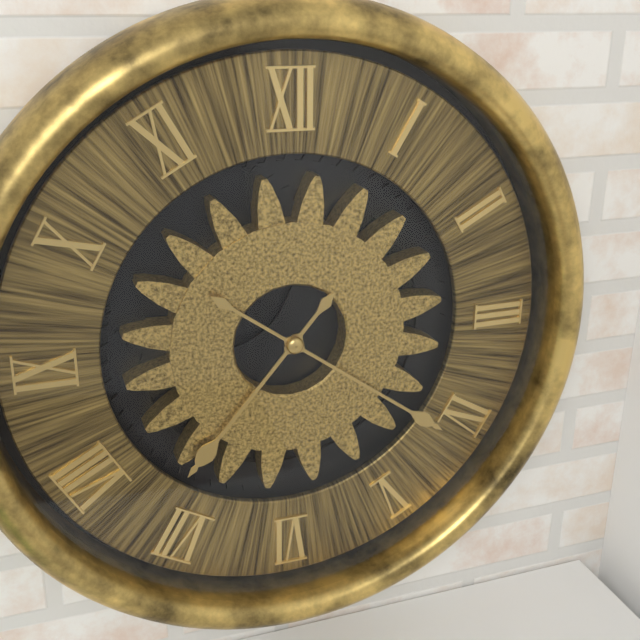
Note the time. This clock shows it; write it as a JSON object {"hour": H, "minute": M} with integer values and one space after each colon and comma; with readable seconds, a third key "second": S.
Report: {"hour": 7, "minute": 21}
